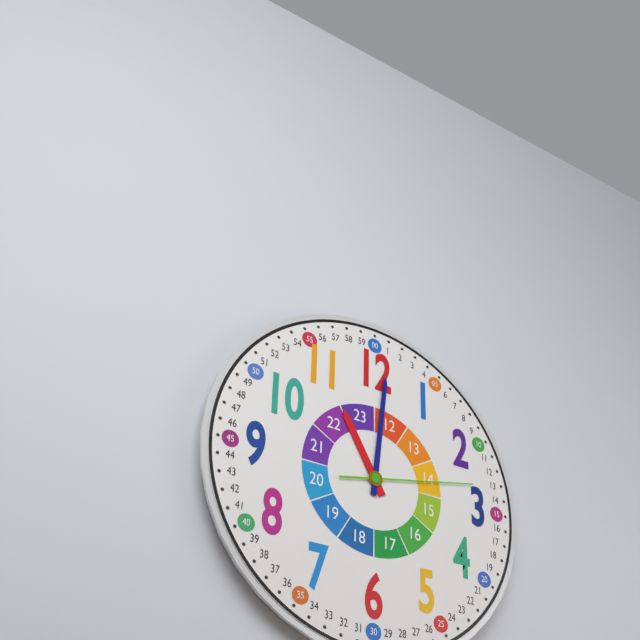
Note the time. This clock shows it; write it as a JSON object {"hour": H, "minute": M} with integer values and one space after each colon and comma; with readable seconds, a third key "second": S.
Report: {"hour": 11, "minute": 1, "second": 13}
